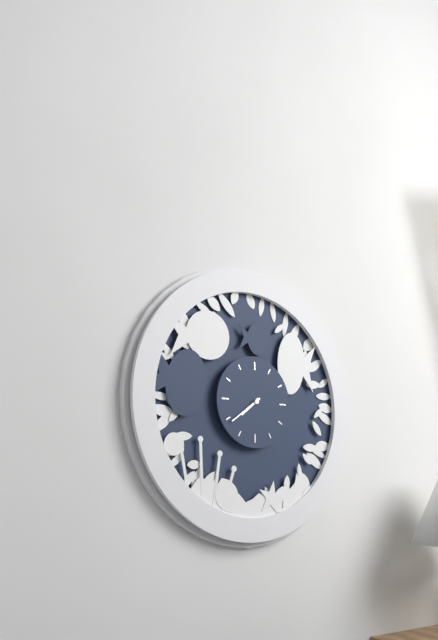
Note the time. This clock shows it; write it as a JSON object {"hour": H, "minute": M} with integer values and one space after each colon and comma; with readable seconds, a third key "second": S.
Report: {"hour": 7, "minute": 39}
